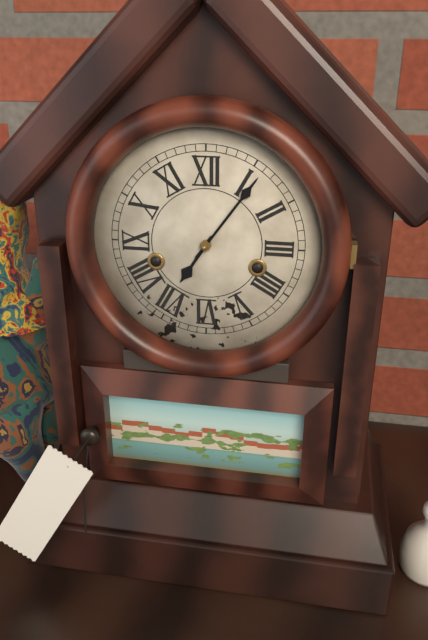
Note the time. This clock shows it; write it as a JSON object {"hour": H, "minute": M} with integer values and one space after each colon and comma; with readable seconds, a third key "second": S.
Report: {"hour": 7, "minute": 6}
